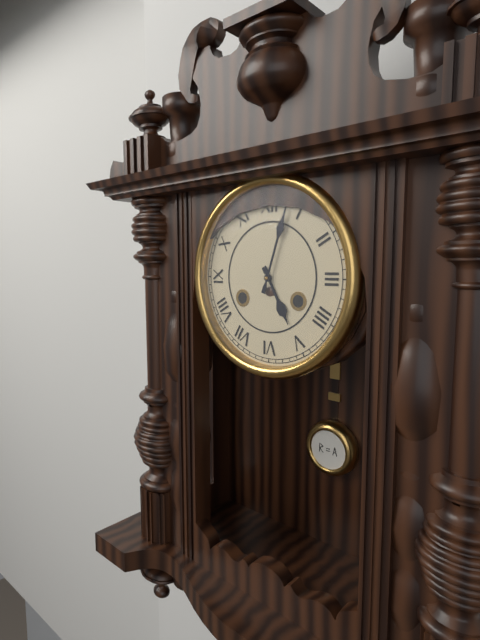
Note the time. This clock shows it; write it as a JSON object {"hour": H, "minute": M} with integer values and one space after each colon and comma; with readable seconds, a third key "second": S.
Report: {"hour": 5, "minute": 3}
